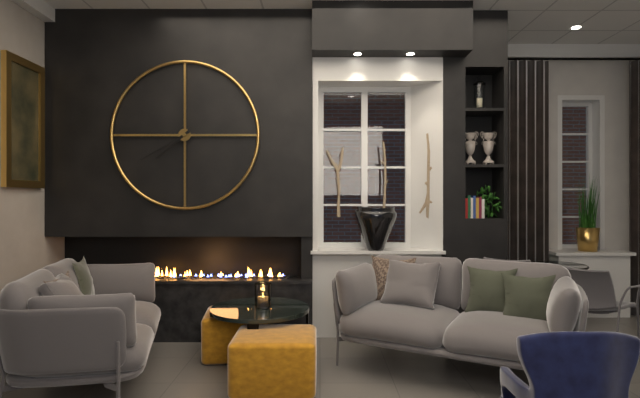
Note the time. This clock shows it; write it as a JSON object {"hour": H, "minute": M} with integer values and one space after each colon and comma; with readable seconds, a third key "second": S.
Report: {"hour": 7, "minute": 40}
